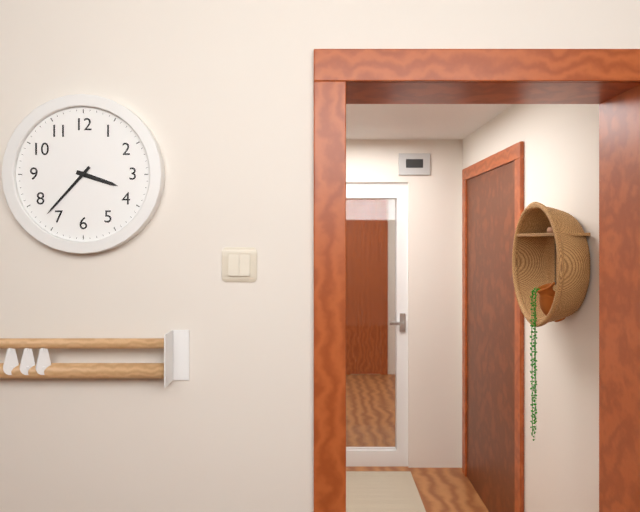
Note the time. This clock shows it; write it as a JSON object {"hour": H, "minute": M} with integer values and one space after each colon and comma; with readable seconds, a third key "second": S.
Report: {"hour": 3, "minute": 37}
